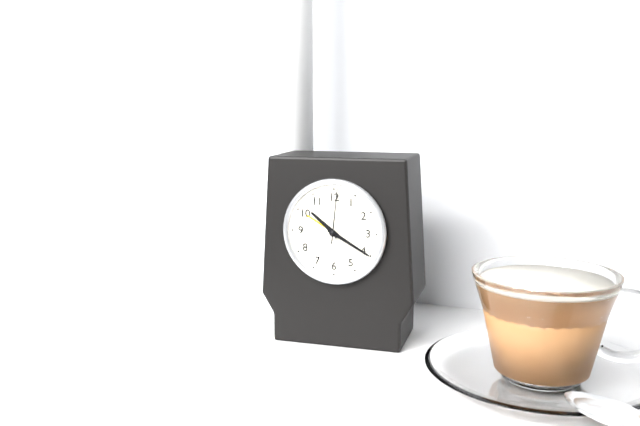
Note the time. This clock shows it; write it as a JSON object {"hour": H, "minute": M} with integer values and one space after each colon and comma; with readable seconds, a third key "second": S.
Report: {"hour": 10, "minute": 20, "second": 1}
